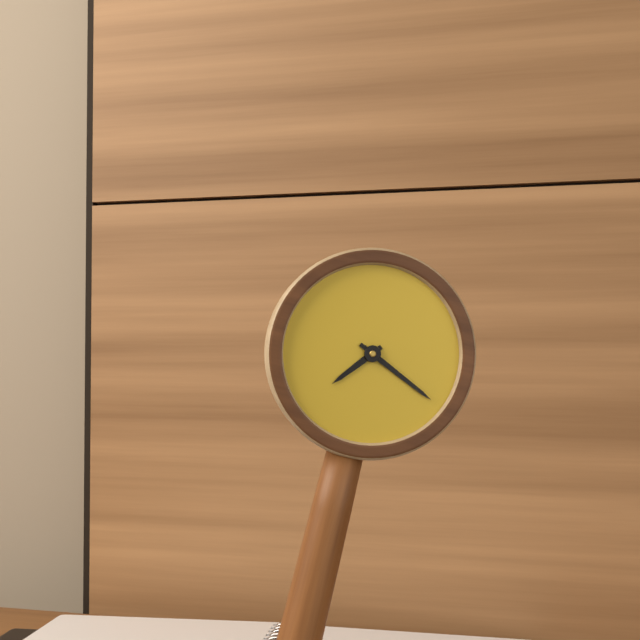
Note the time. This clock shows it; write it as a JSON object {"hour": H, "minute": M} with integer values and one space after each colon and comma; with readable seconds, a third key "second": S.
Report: {"hour": 7, "minute": 19}
